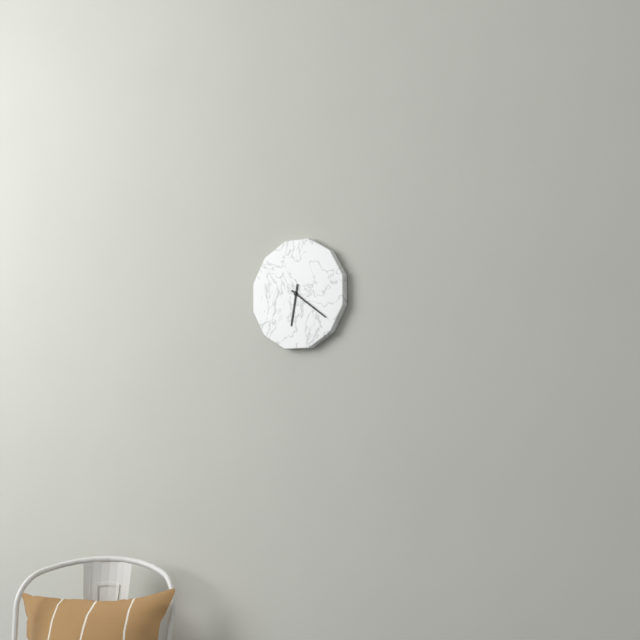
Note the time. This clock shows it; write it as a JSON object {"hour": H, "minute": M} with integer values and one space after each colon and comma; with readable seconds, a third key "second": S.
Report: {"hour": 6, "minute": 21}
